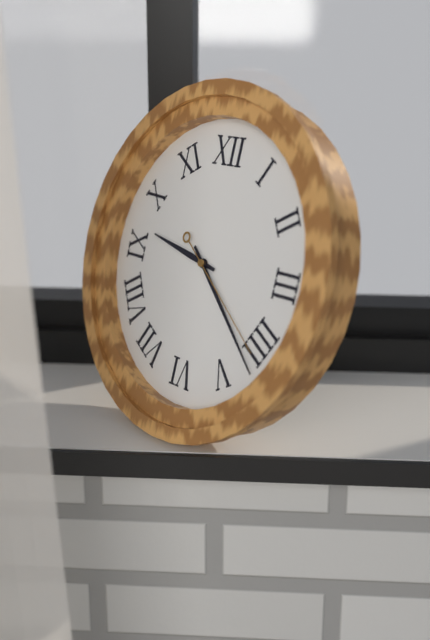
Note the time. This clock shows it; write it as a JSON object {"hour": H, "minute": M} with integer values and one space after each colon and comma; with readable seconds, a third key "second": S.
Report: {"hour": 9, "minute": 22, "second": 21}
